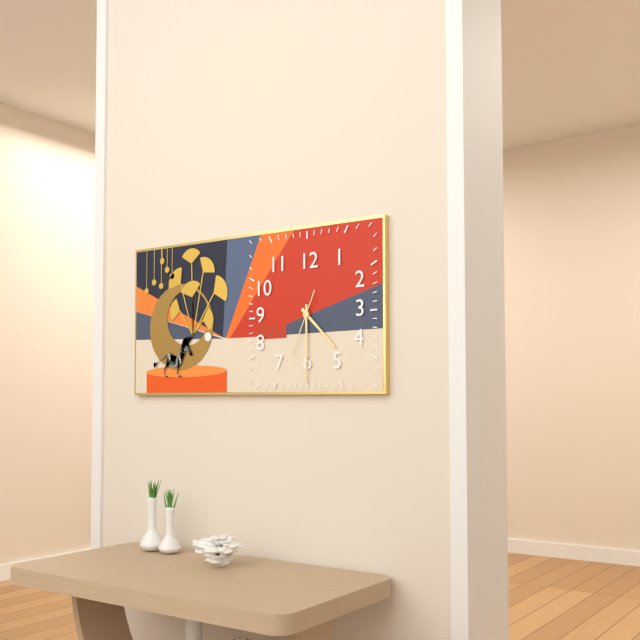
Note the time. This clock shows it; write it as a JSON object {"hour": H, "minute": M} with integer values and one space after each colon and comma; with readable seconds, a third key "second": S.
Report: {"hour": 4, "minute": 30, "second": 34}
